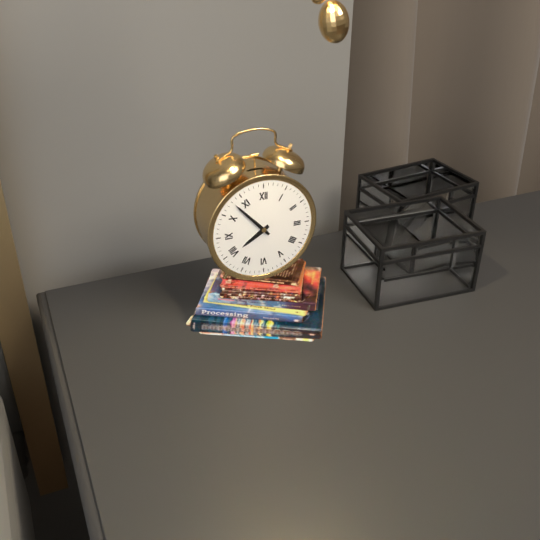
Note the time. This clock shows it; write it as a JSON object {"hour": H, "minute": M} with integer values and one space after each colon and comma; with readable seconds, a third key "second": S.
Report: {"hour": 7, "minute": 53}
